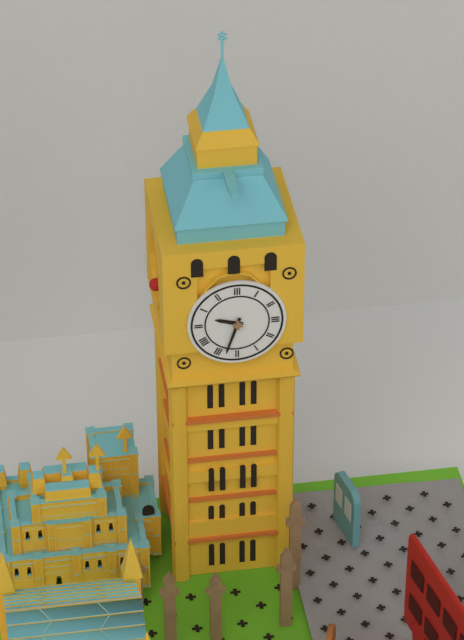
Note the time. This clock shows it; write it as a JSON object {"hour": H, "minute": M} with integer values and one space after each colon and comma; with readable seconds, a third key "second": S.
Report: {"hour": 9, "minute": 33}
